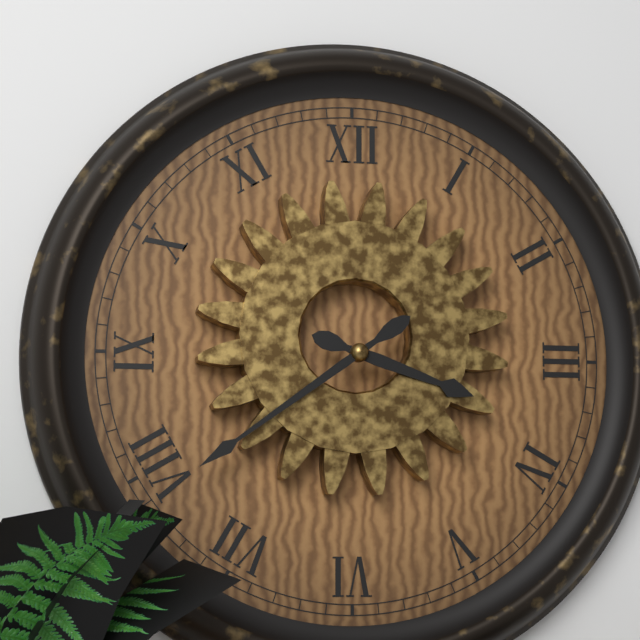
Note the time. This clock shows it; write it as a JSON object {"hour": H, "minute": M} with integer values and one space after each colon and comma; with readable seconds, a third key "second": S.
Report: {"hour": 3, "minute": 39}
